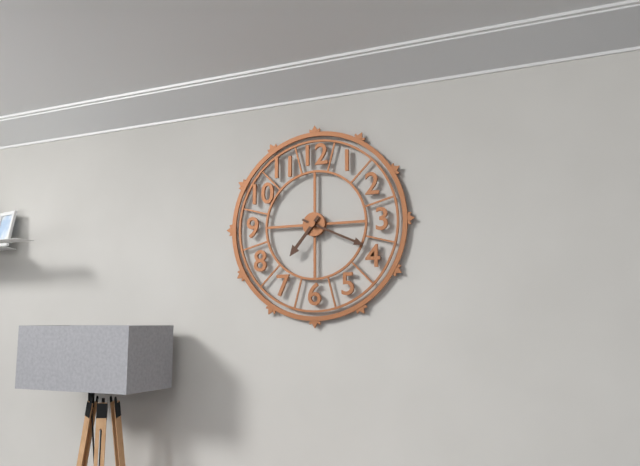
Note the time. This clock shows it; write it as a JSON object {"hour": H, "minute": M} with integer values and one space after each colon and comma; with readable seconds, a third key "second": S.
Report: {"hour": 7, "minute": 19}
